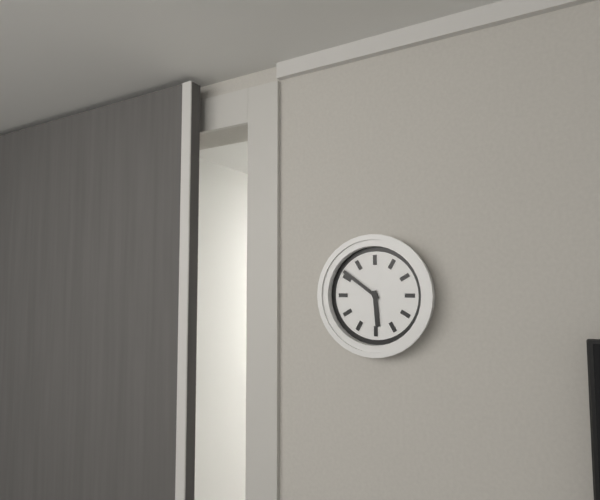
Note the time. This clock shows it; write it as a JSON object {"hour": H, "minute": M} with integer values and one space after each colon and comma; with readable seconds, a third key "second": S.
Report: {"hour": 5, "minute": 51}
